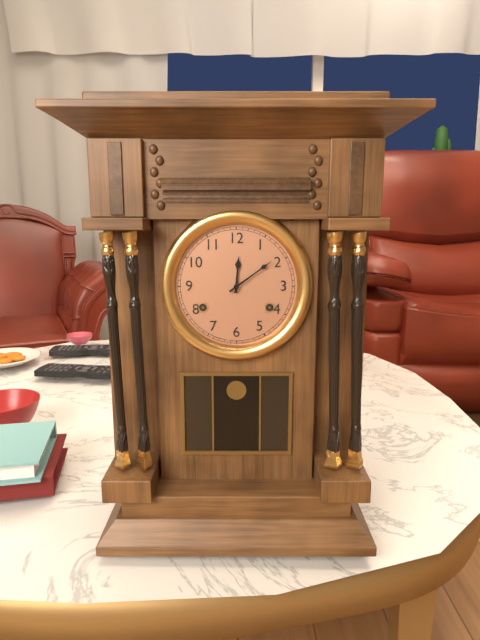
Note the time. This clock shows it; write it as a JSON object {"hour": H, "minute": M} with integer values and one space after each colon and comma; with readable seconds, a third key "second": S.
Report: {"hour": 12, "minute": 9}
